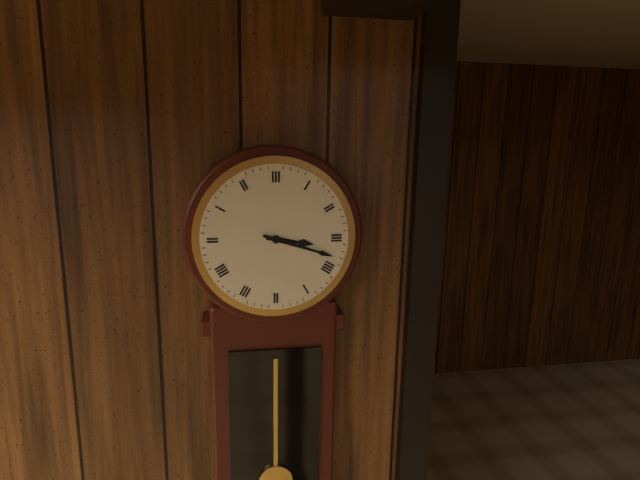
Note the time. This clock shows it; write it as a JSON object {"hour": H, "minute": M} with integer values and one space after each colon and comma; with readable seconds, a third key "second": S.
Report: {"hour": 3, "minute": 18}
